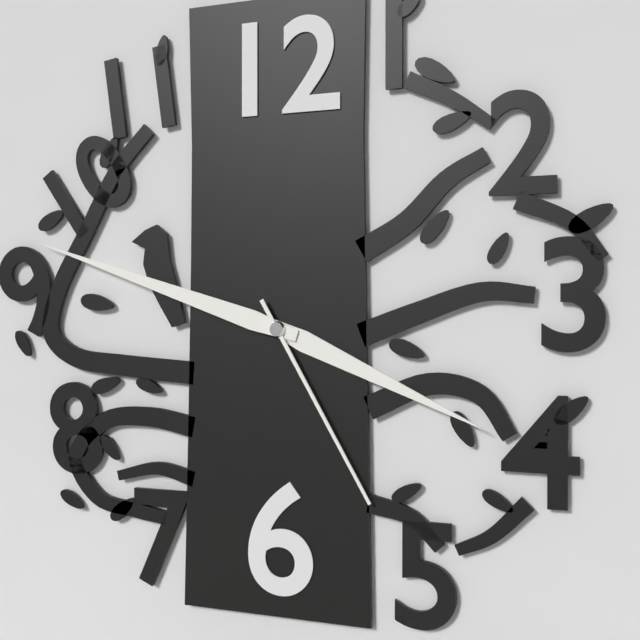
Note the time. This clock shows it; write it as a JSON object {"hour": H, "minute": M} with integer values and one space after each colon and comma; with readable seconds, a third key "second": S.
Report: {"hour": 3, "minute": 48, "second": 25}
